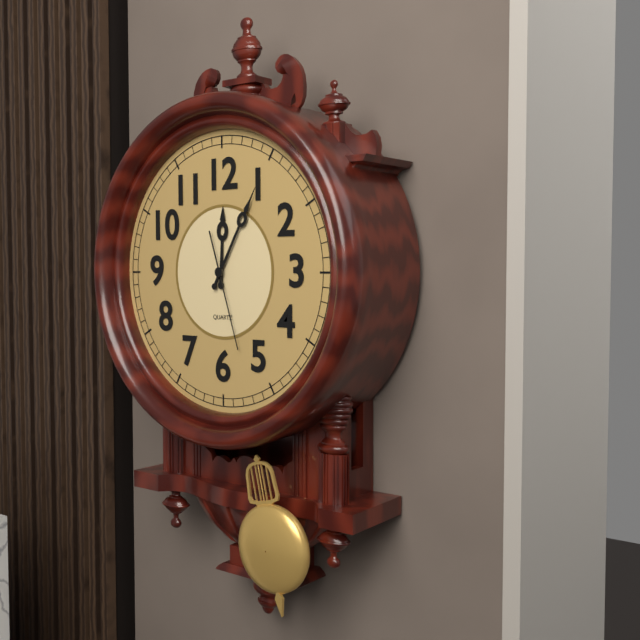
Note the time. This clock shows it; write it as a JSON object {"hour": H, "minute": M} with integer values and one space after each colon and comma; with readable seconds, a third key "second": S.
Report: {"hour": 12, "minute": 5, "second": 27}
